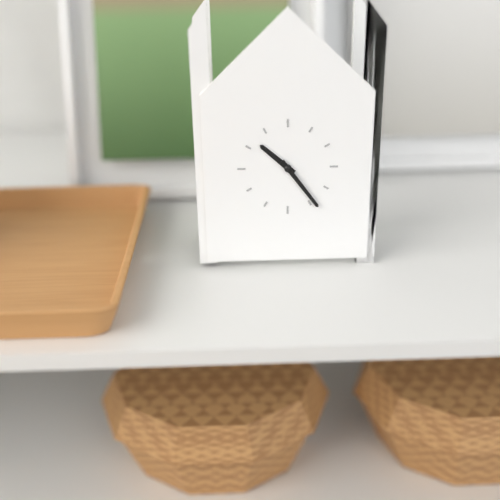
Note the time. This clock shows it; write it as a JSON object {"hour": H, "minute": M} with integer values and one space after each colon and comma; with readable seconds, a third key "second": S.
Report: {"hour": 10, "minute": 24}
